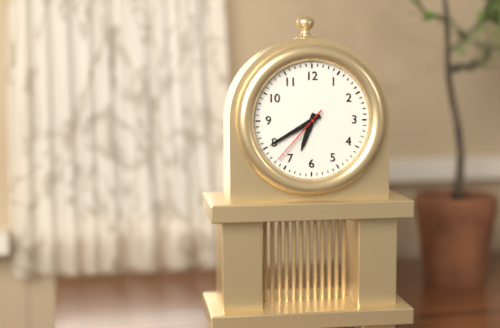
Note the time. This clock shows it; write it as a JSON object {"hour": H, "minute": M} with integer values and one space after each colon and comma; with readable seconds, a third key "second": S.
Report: {"hour": 6, "minute": 40, "second": 37}
